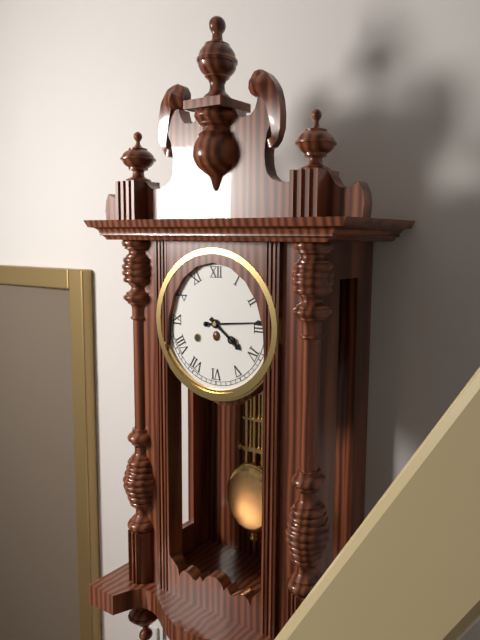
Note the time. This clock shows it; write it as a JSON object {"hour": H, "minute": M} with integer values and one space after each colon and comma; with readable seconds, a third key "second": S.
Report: {"hour": 4, "minute": 14}
